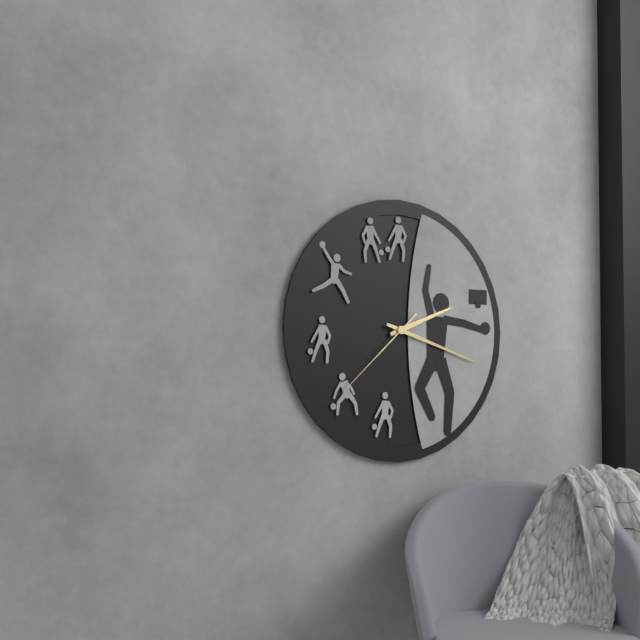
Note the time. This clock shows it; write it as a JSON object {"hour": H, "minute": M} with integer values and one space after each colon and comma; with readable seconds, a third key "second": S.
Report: {"hour": 2, "minute": 18, "second": 38}
